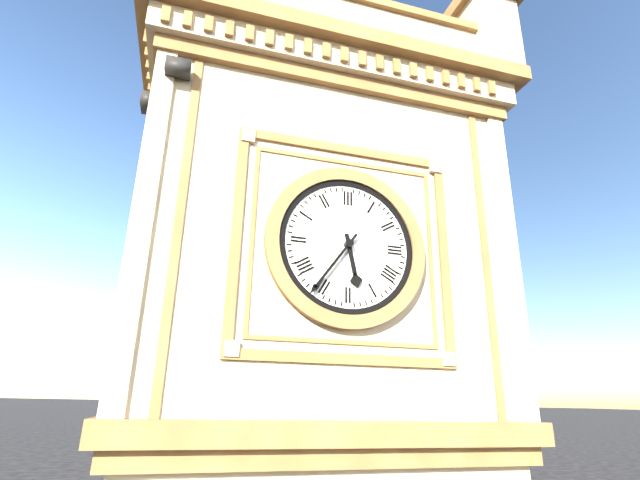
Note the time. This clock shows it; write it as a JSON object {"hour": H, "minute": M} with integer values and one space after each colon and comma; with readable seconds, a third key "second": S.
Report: {"hour": 5, "minute": 36}
